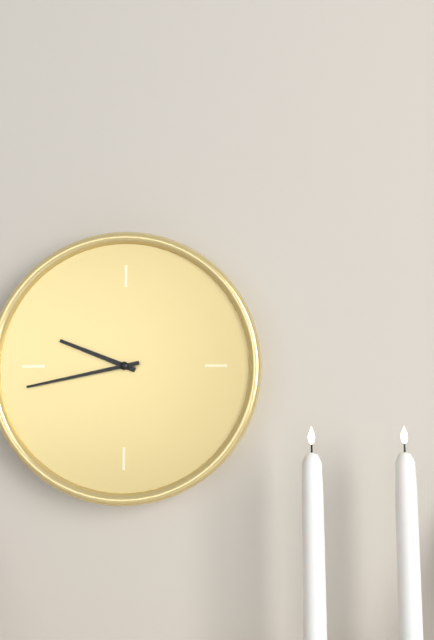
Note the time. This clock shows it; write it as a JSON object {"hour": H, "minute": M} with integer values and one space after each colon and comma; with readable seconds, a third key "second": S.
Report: {"hour": 9, "minute": 43}
